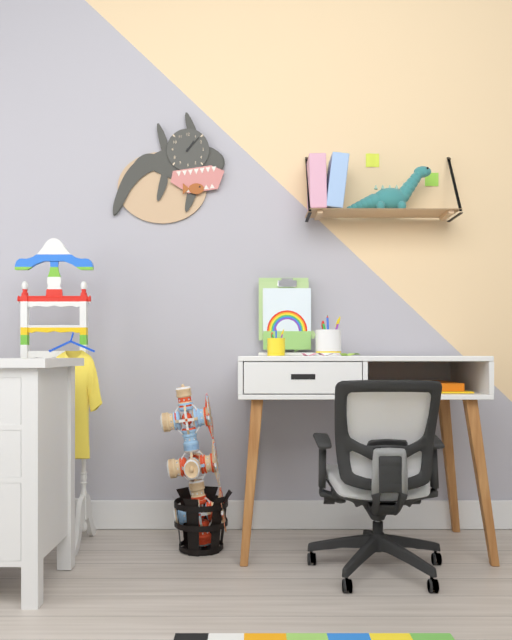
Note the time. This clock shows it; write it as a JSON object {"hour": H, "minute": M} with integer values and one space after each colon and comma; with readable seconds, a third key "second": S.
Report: {"hour": 1, "minute": 7}
